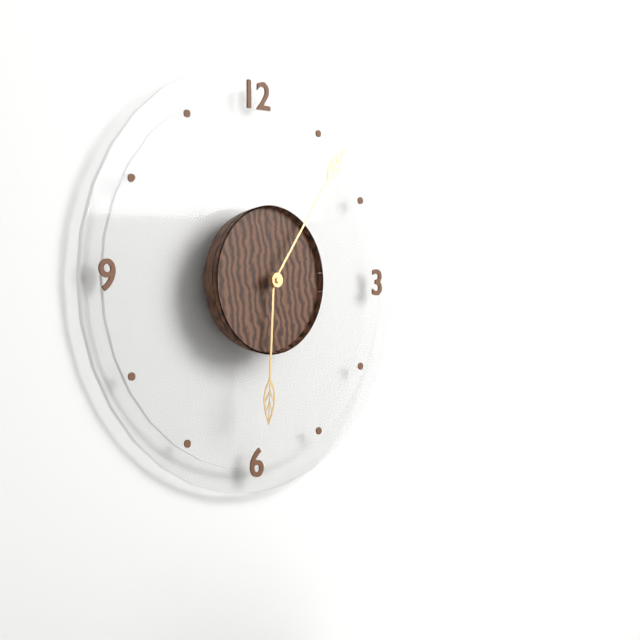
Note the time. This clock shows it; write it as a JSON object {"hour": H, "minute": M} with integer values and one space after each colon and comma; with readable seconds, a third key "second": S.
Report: {"hour": 6, "minute": 6}
